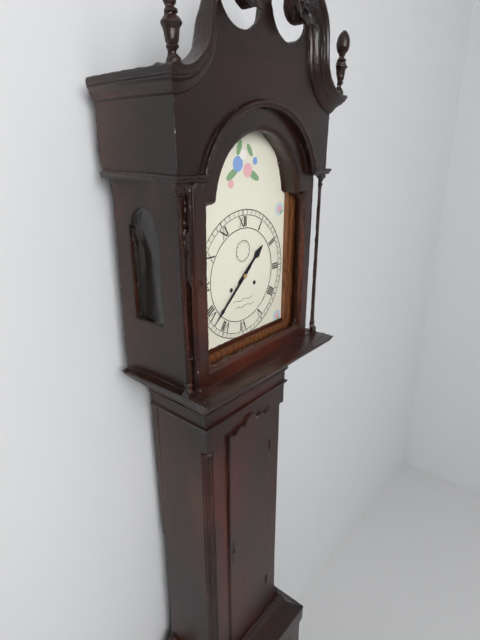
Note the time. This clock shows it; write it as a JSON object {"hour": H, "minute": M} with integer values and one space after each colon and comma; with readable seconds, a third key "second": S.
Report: {"hour": 1, "minute": 38}
